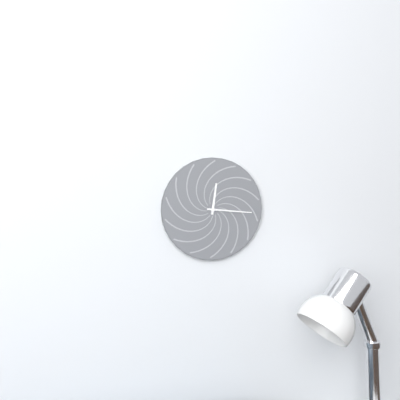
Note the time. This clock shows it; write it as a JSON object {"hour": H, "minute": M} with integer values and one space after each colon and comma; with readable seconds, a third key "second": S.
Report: {"hour": 12, "minute": 16}
